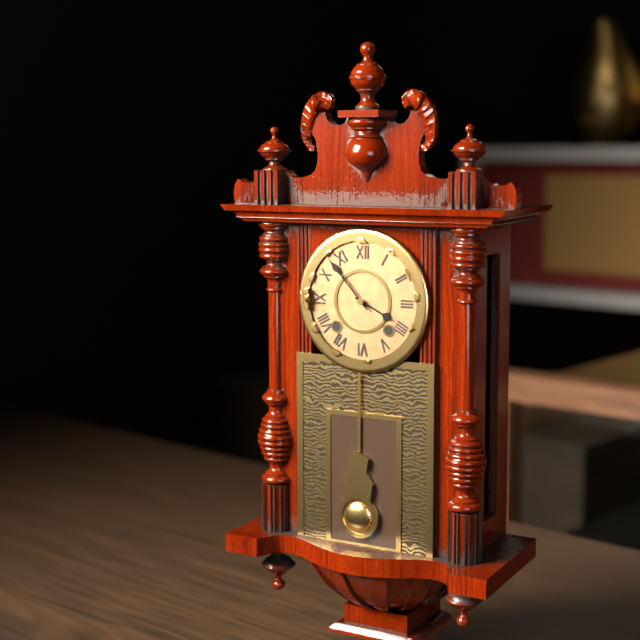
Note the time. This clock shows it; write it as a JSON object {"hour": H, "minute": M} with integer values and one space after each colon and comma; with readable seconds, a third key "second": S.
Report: {"hour": 3, "minute": 53}
